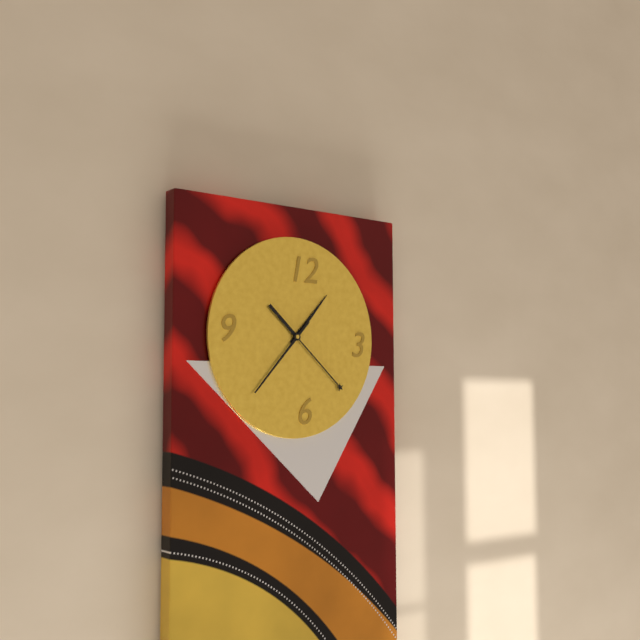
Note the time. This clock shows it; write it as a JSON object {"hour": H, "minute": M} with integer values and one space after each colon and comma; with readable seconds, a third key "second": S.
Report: {"hour": 1, "minute": 22, "second": 37}
